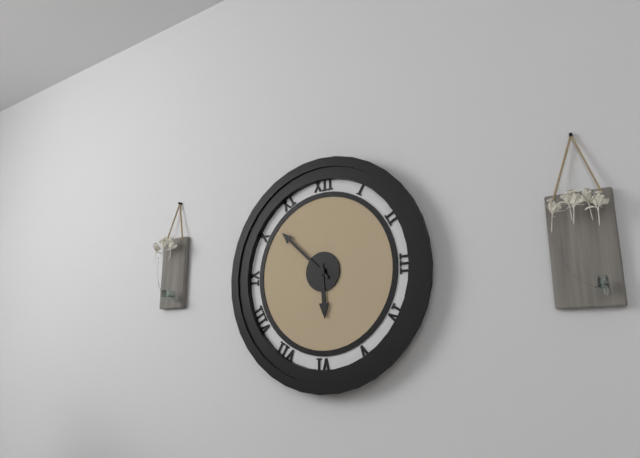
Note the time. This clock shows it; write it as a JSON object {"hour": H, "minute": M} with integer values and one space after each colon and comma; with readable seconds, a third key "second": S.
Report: {"hour": 5, "minute": 52}
